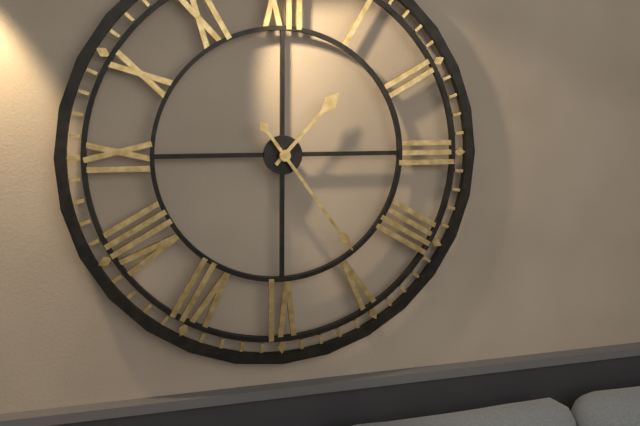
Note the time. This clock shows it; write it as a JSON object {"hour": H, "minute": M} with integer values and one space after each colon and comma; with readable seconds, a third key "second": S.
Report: {"hour": 1, "minute": 24}
